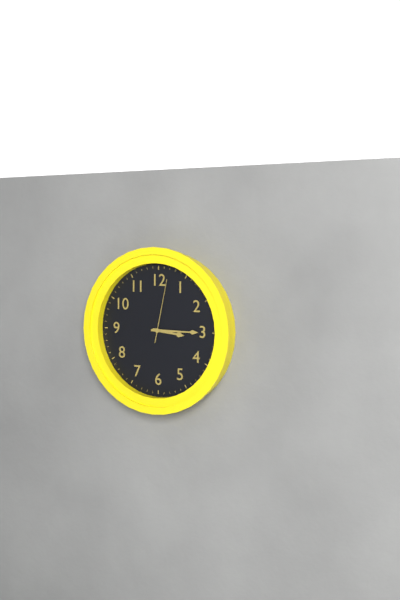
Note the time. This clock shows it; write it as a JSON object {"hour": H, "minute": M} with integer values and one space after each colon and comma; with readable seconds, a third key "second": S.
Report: {"hour": 3, "minute": 15, "second": 2}
